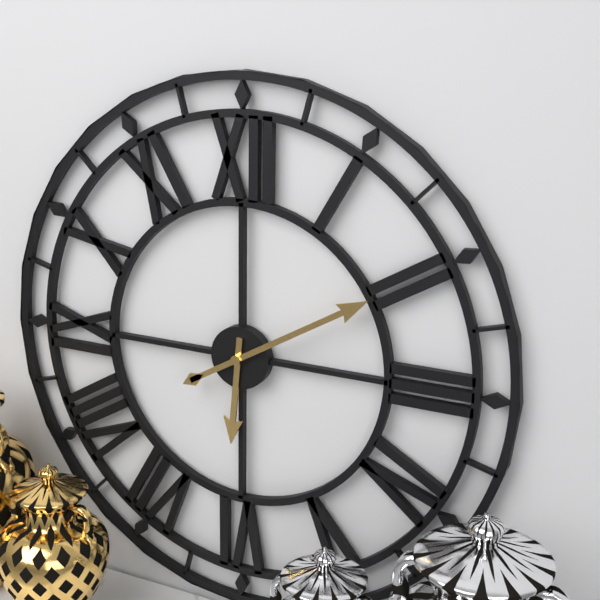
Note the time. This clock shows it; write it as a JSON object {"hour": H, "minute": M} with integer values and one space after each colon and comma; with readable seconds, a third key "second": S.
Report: {"hour": 6, "minute": 10}
